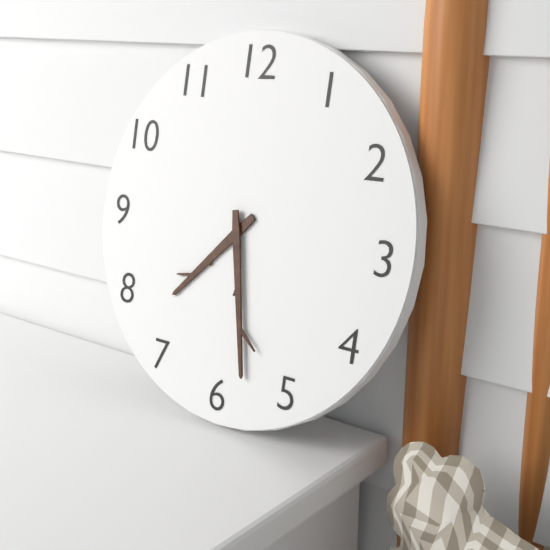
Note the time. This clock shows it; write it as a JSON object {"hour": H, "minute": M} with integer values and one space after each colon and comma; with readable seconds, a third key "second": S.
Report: {"hour": 7, "minute": 28}
